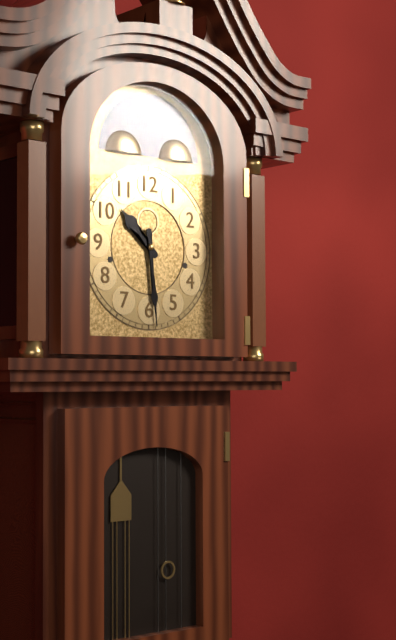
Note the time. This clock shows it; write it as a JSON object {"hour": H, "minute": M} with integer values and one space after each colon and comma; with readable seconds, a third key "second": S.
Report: {"hour": 10, "minute": 29}
